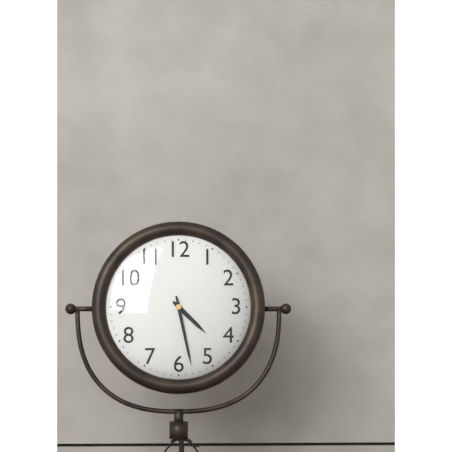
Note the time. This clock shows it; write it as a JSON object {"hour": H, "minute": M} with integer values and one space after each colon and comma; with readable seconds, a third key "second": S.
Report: {"hour": 4, "minute": 28}
